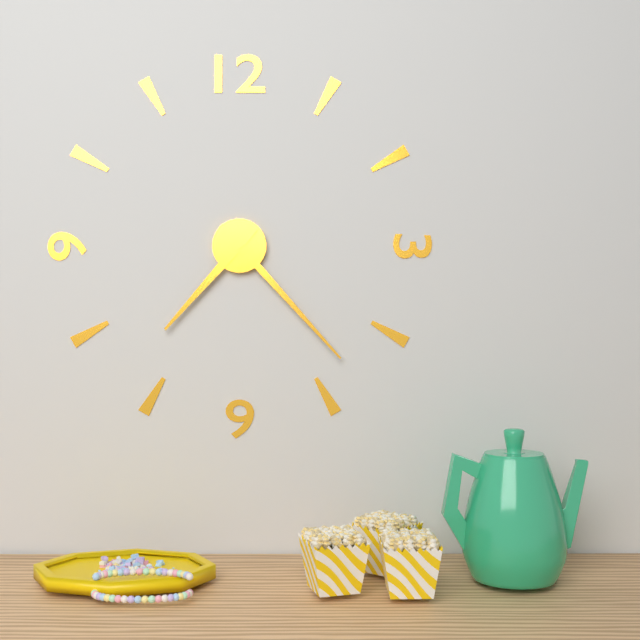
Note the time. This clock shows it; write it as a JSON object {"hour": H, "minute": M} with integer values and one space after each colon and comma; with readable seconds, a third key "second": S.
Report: {"hour": 7, "minute": 23}
